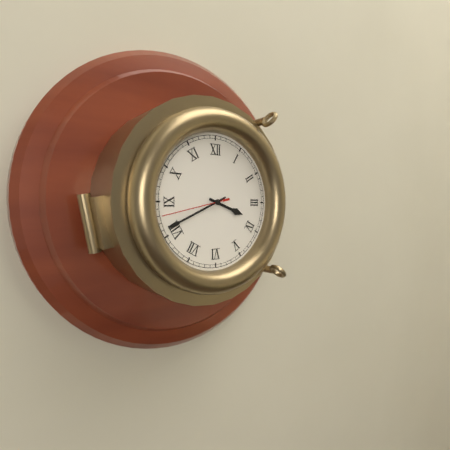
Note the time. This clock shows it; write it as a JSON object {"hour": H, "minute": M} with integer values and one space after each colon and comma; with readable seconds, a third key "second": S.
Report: {"hour": 3, "minute": 41, "second": 43}
